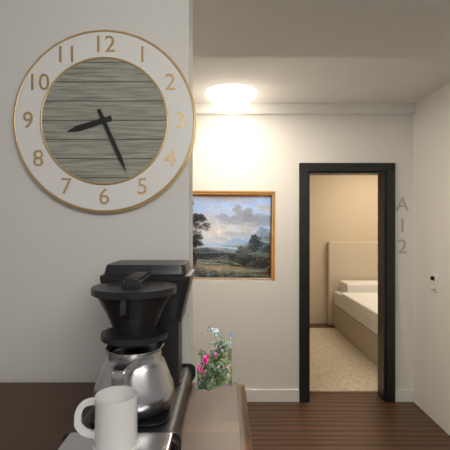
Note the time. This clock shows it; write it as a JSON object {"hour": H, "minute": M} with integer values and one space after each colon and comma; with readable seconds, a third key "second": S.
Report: {"hour": 8, "minute": 26}
